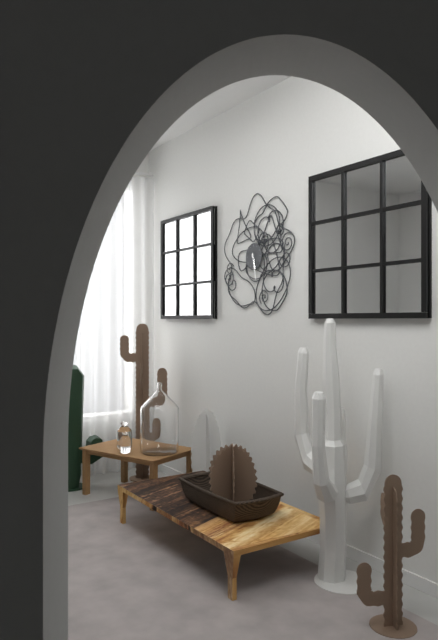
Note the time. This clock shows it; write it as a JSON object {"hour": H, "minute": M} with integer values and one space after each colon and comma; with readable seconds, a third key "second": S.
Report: {"hour": 5, "minute": 28}
